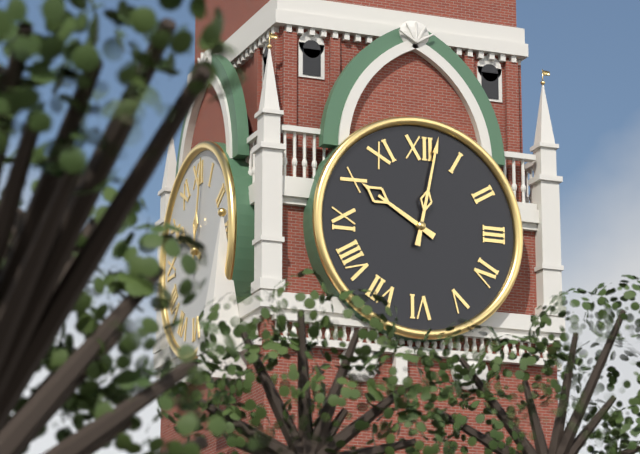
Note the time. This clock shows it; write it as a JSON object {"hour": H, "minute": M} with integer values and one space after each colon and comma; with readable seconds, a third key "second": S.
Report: {"hour": 10, "minute": 2}
